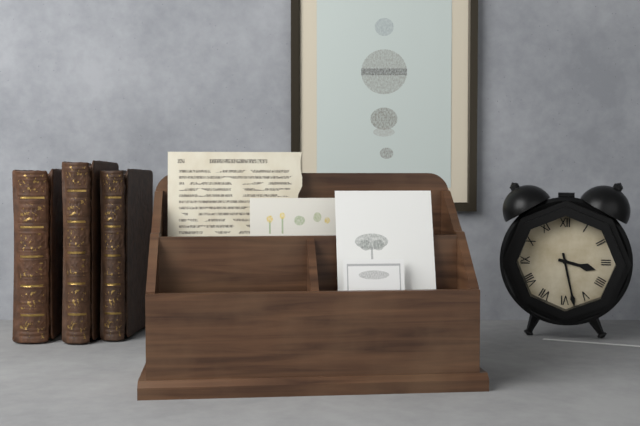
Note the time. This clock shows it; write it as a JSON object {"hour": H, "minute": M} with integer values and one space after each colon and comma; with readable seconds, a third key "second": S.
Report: {"hour": 3, "minute": 28}
